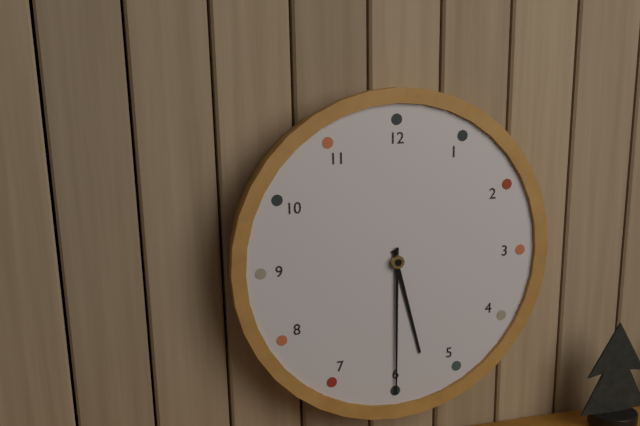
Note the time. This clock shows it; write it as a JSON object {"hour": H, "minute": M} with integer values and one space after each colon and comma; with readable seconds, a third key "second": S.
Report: {"hour": 5, "minute": 30}
